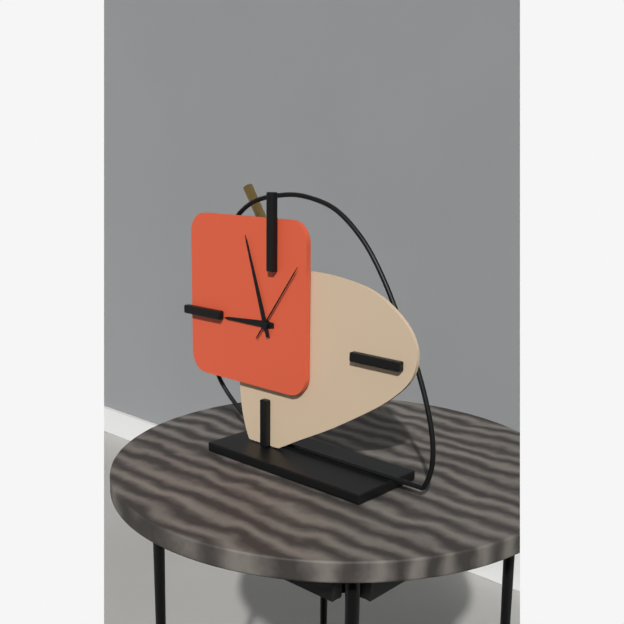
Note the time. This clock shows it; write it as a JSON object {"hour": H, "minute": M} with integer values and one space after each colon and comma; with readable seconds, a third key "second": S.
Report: {"hour": 8, "minute": 57, "second": 6}
